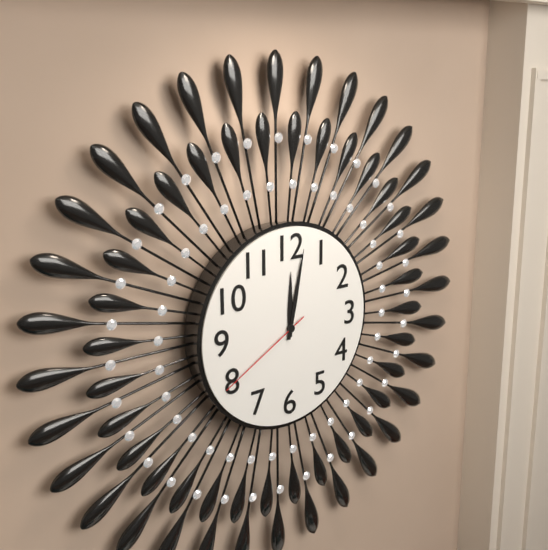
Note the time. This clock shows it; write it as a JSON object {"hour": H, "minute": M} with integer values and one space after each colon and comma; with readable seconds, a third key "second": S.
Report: {"hour": 12, "minute": 2, "second": 40}
